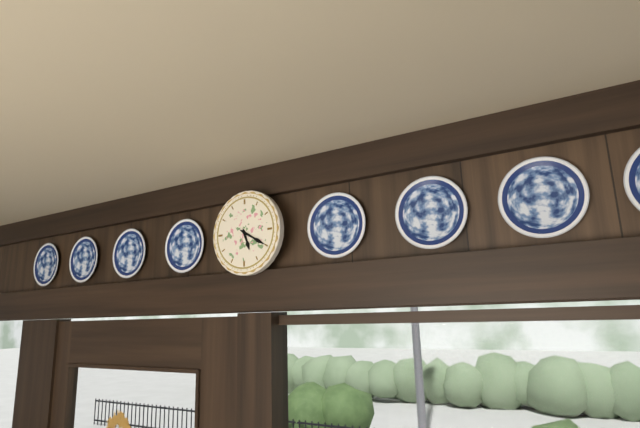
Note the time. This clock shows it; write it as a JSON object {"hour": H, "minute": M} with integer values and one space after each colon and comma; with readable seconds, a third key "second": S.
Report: {"hour": 5, "minute": 20}
